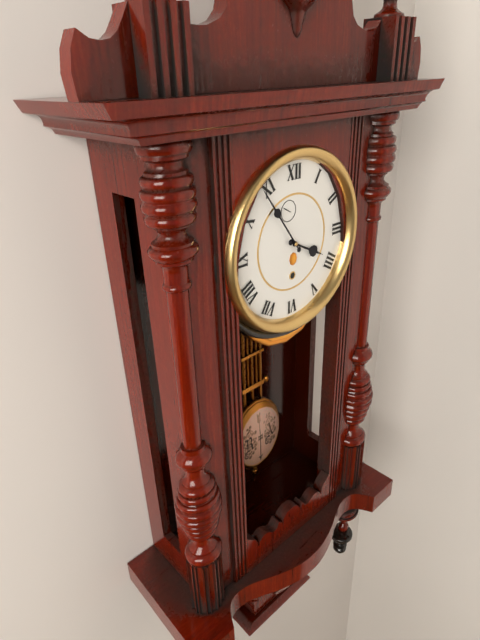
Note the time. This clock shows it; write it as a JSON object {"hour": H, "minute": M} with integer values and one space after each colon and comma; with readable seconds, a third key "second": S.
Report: {"hour": 3, "minute": 54}
